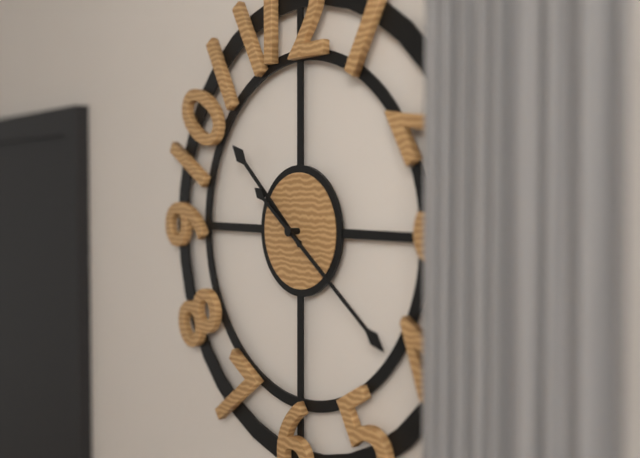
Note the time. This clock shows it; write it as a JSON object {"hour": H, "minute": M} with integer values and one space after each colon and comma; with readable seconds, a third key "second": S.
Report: {"hour": 10, "minute": 21}
